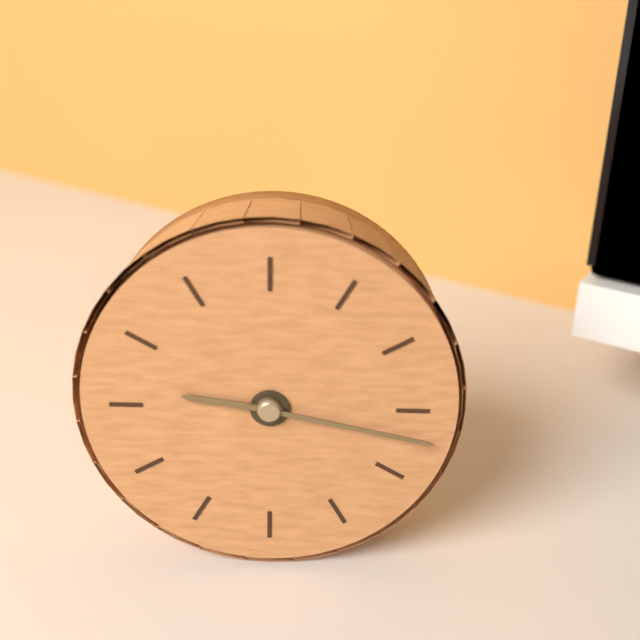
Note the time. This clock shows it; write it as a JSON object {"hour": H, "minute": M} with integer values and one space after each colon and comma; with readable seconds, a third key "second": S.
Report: {"hour": 9, "minute": 17}
